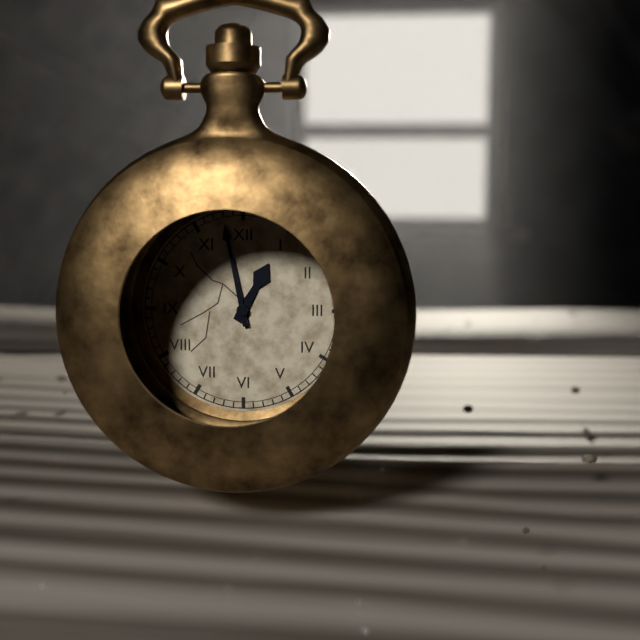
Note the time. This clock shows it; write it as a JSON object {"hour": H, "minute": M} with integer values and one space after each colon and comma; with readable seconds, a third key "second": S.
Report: {"hour": 12, "minute": 58}
